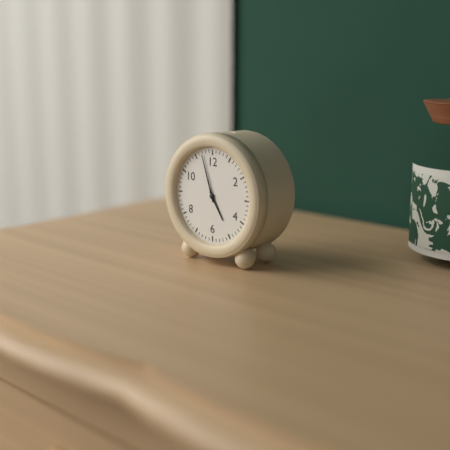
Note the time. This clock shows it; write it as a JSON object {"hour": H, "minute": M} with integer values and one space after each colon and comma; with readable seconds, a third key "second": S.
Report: {"hour": 4, "minute": 57}
